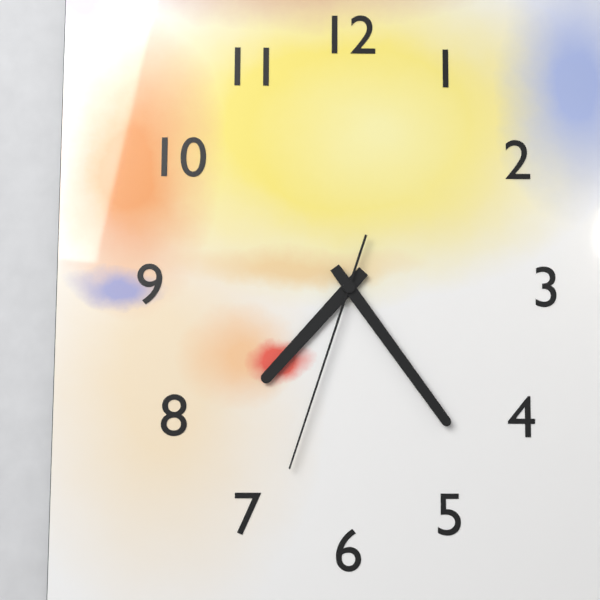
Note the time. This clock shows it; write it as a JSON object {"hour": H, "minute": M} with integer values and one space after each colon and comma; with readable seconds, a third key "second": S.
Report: {"hour": 7, "minute": 24, "second": 33}
